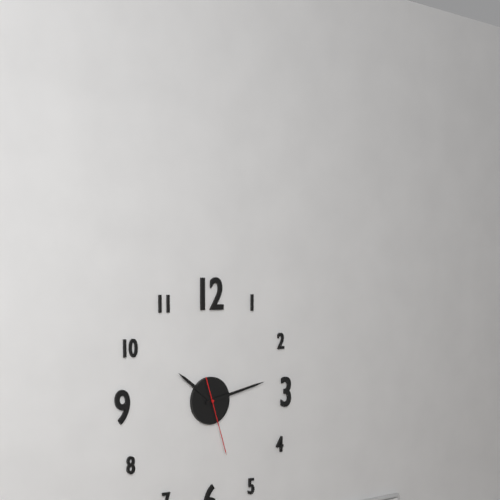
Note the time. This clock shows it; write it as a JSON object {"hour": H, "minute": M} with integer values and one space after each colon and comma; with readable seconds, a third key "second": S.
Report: {"hour": 10, "minute": 13, "second": 27}
